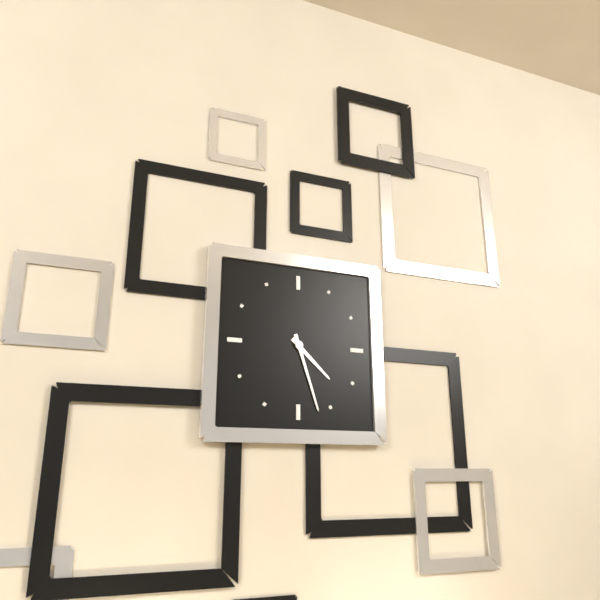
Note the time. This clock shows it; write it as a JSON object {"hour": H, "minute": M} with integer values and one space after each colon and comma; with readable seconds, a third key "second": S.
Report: {"hour": 4, "minute": 27}
